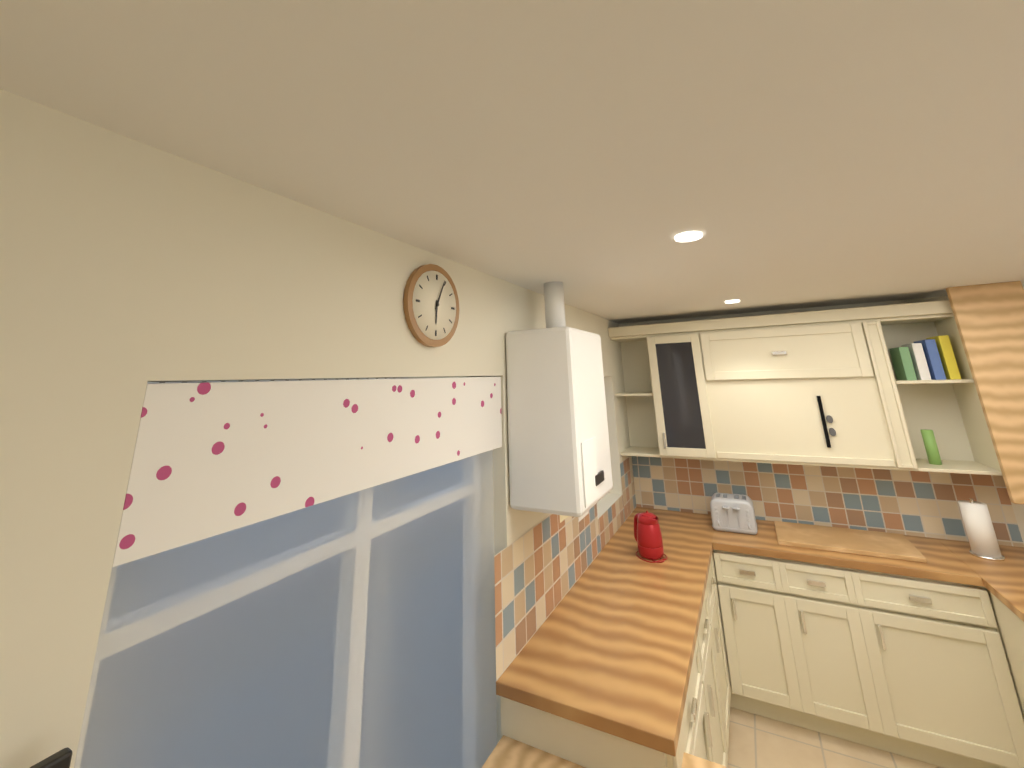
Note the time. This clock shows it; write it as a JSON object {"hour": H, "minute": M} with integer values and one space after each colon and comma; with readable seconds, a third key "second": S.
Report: {"hour": 6, "minute": 4}
